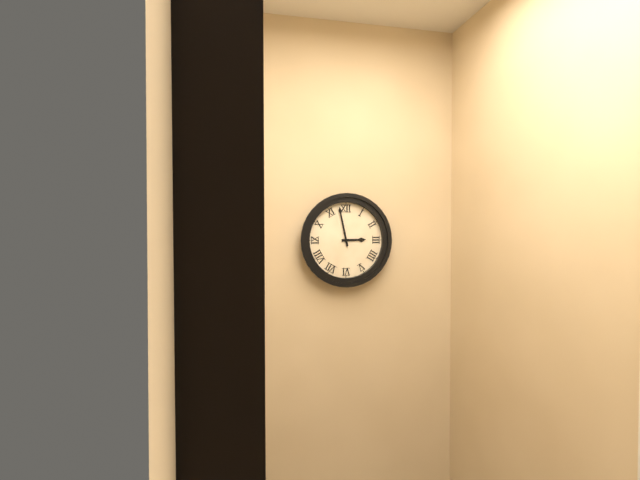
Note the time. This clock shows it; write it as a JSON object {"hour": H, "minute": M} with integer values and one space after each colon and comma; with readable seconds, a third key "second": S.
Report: {"hour": 2, "minute": 58}
